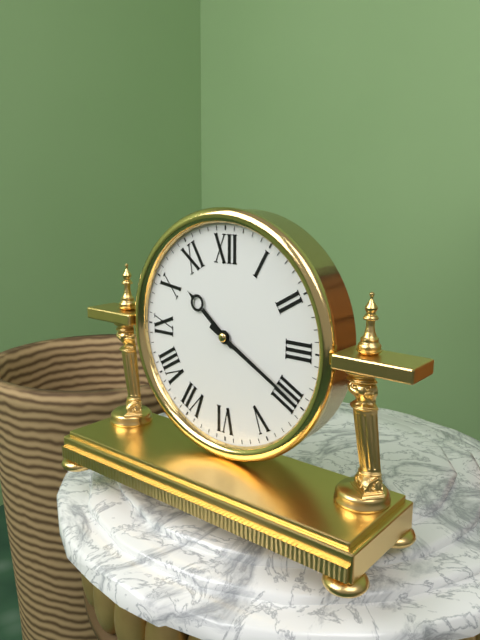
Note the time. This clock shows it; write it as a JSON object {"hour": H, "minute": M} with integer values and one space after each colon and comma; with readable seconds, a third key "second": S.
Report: {"hour": 10, "minute": 20}
